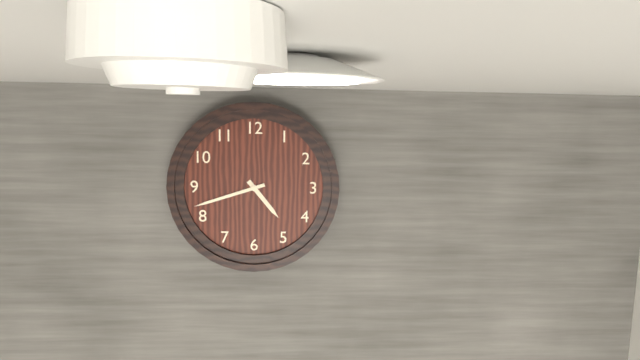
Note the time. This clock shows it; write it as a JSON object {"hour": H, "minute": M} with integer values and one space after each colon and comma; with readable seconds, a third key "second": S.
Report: {"hour": 4, "minute": 42}
